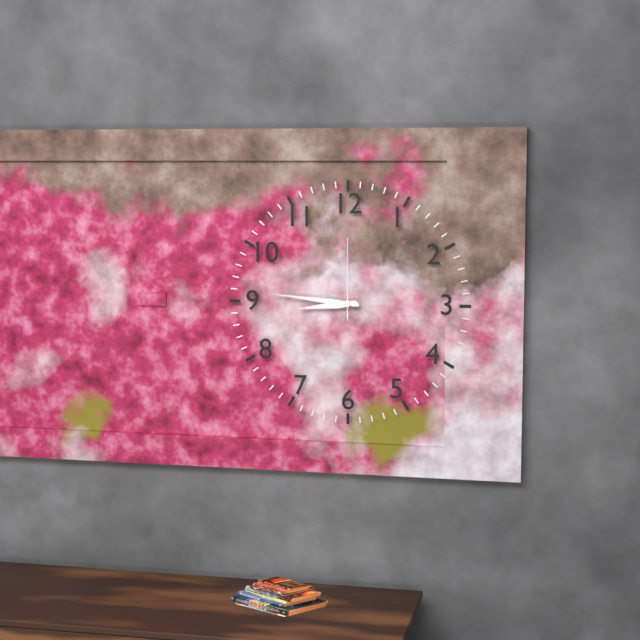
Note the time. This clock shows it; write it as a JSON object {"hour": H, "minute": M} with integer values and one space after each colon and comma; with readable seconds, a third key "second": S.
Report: {"hour": 8, "minute": 46, "second": 0}
